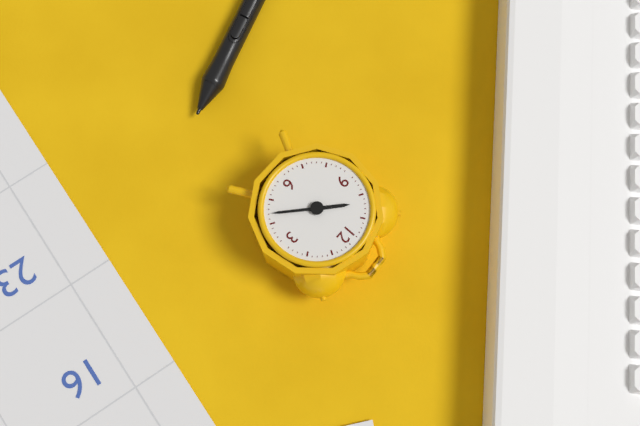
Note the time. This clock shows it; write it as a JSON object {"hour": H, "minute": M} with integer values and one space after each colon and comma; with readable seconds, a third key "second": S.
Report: {"hour": 10, "minute": 22}
